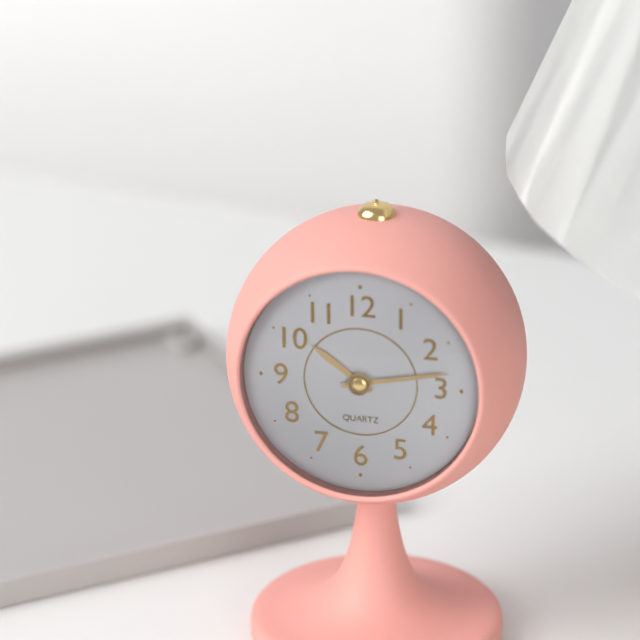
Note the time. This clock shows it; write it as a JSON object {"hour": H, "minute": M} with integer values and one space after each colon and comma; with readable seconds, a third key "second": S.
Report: {"hour": 10, "minute": 13}
